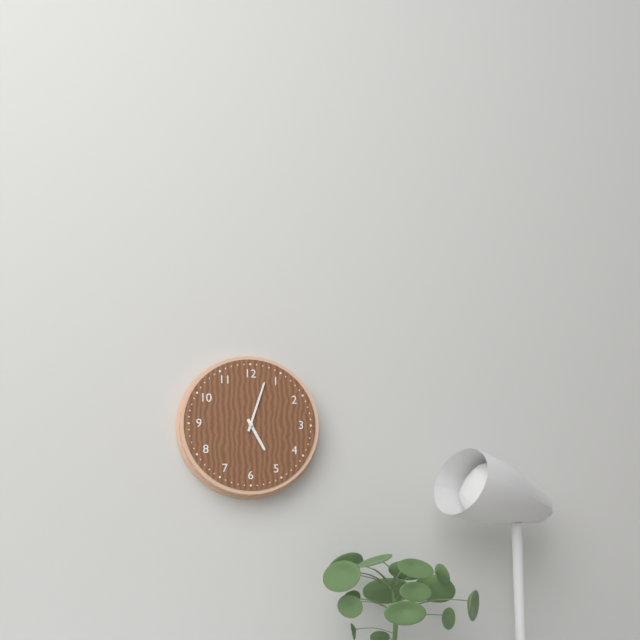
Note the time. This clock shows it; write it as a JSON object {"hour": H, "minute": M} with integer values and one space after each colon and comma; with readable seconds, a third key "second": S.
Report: {"hour": 5, "minute": 3}
